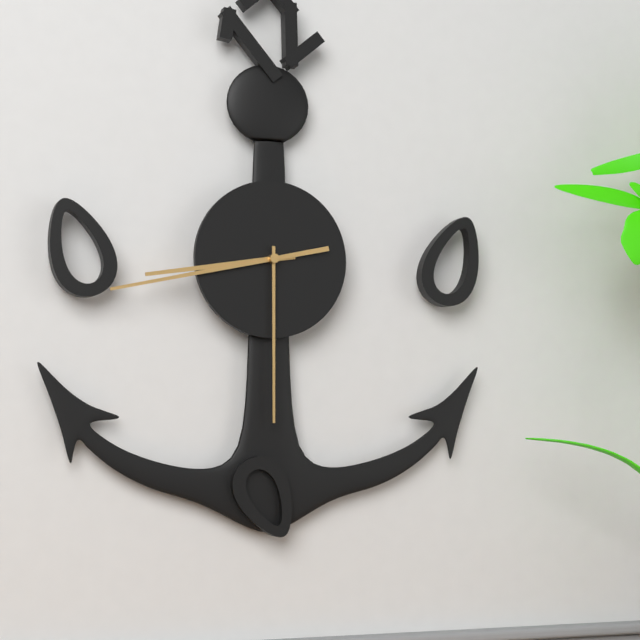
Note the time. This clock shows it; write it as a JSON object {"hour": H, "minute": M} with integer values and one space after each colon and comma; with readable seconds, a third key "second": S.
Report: {"hour": 8, "minute": 43, "second": 30}
